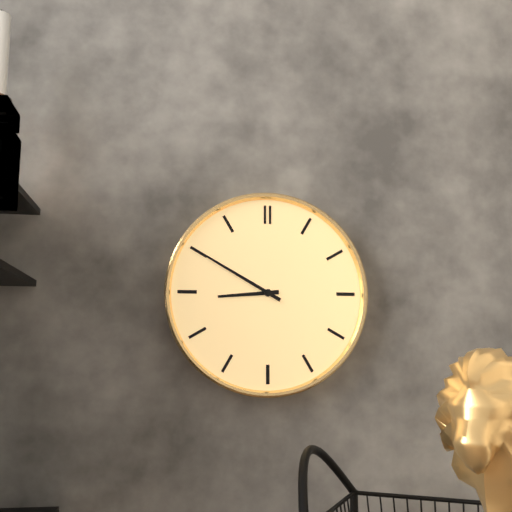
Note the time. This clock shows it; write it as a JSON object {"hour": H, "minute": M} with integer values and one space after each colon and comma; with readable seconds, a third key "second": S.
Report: {"hour": 8, "minute": 50}
